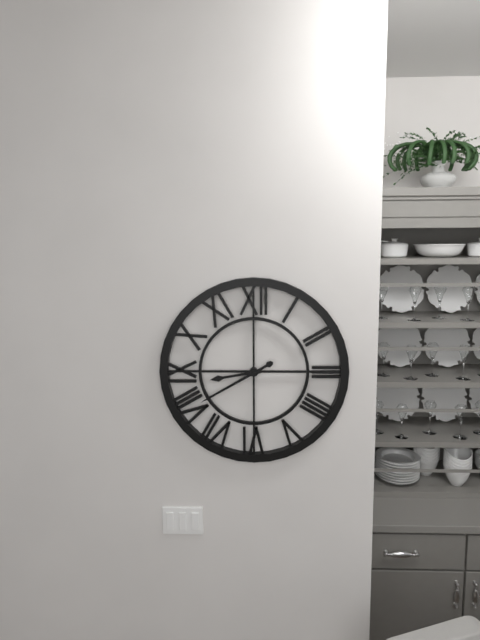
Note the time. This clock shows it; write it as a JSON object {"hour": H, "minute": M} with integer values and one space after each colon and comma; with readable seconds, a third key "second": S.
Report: {"hour": 8, "minute": 40}
